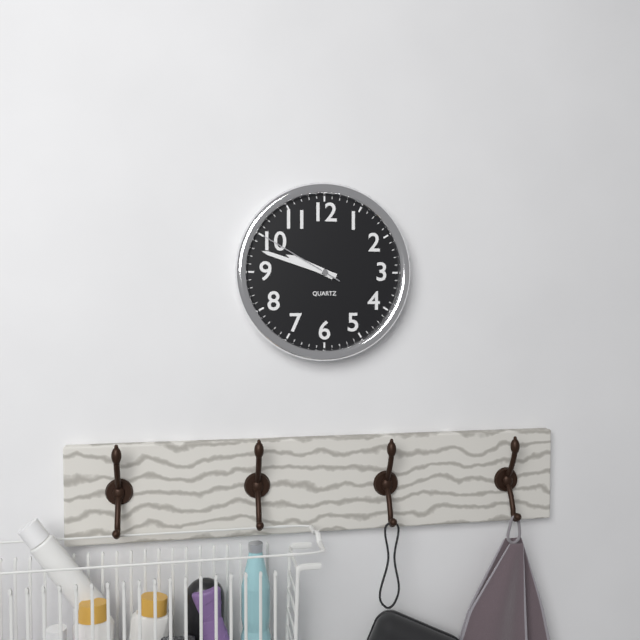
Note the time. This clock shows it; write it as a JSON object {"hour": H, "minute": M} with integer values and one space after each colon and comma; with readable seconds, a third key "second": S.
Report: {"hour": 9, "minute": 48, "second": 50}
